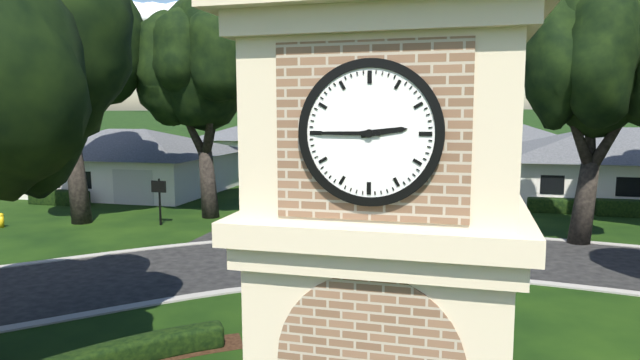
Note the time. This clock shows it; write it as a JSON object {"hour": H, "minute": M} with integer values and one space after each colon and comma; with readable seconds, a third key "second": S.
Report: {"hour": 2, "minute": 45}
